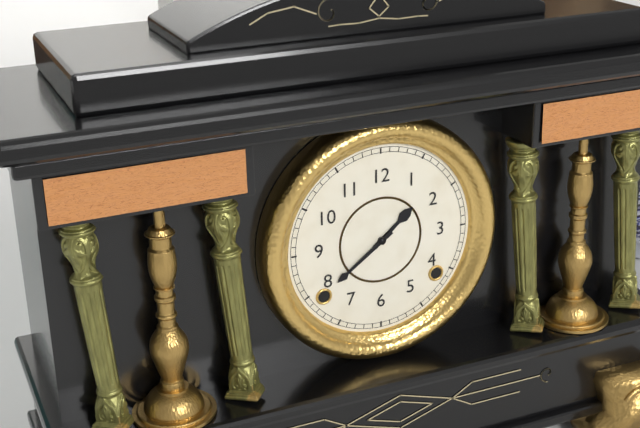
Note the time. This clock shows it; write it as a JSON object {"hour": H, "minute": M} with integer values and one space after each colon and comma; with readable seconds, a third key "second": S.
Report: {"hour": 1, "minute": 39}
